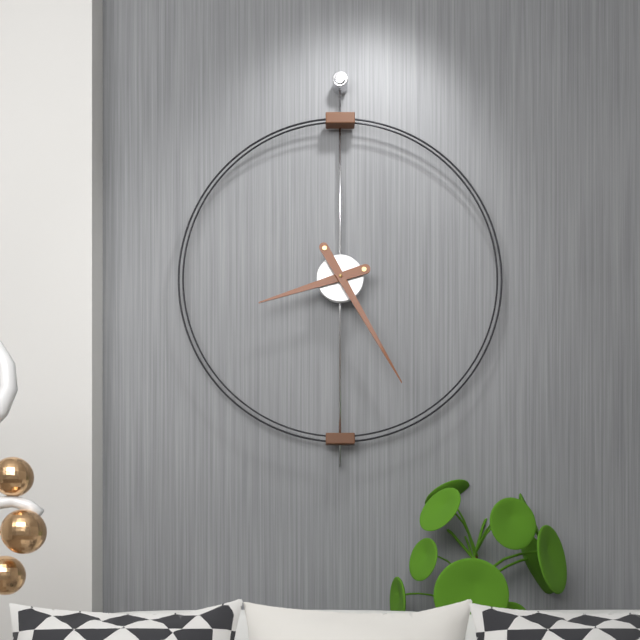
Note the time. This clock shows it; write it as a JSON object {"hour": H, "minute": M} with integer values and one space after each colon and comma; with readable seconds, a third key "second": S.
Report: {"hour": 8, "minute": 25}
